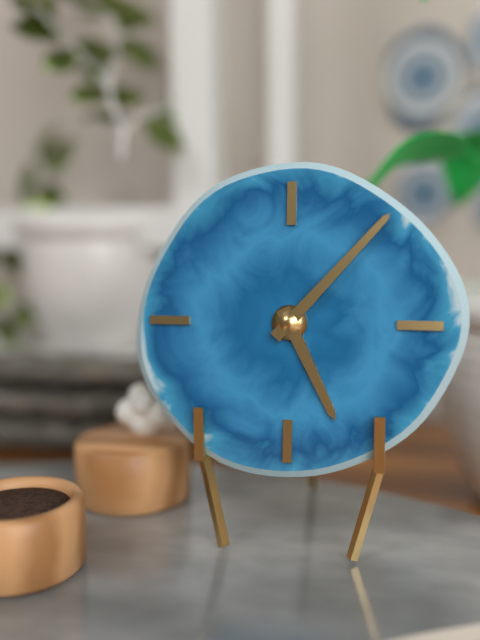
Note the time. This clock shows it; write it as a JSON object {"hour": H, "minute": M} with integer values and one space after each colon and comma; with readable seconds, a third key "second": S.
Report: {"hour": 5, "minute": 7}
